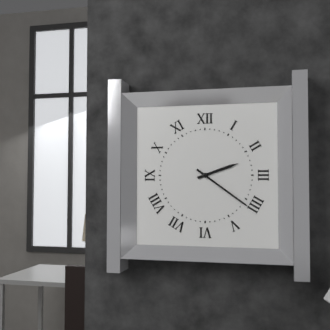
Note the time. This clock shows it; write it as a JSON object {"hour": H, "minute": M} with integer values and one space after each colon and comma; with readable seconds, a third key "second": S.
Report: {"hour": 2, "minute": 21}
